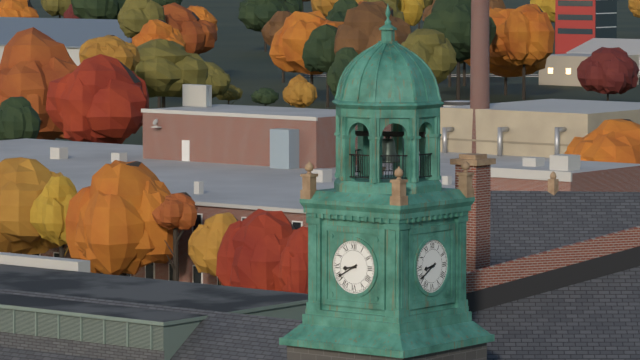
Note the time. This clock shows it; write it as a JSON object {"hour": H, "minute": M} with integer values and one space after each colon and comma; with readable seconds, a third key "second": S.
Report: {"hour": 8, "minute": 40}
